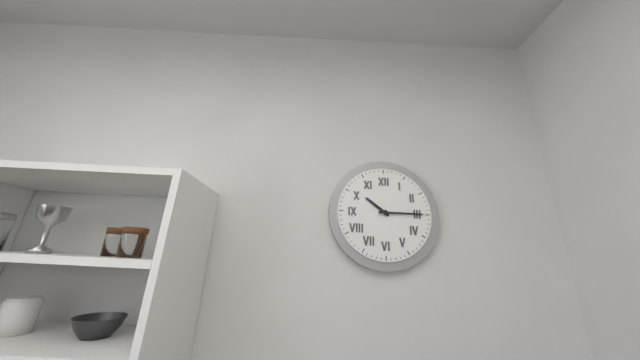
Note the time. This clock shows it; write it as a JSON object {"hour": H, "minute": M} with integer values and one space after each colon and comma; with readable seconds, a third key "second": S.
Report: {"hour": 10, "minute": 15}
